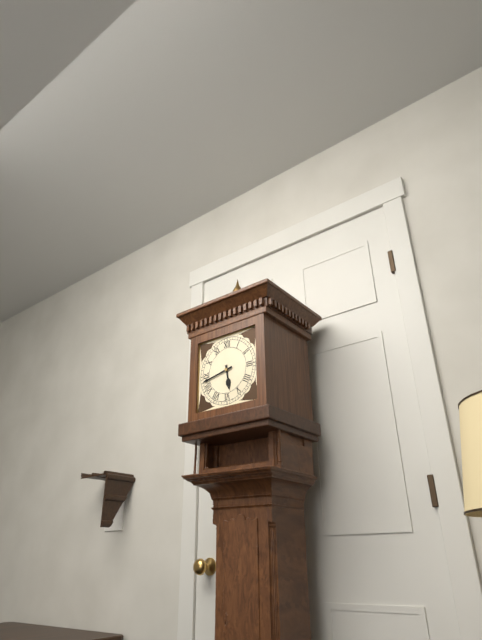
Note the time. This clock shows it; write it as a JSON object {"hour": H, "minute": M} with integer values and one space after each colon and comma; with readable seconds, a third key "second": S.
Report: {"hour": 5, "minute": 43}
